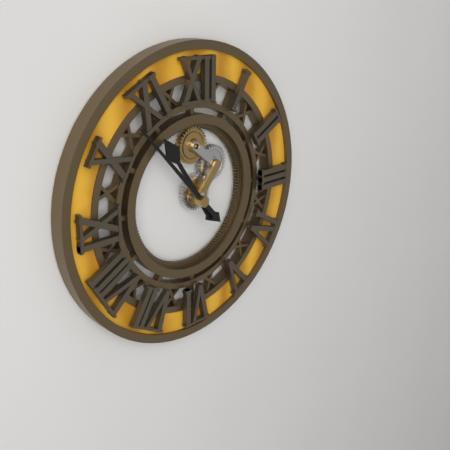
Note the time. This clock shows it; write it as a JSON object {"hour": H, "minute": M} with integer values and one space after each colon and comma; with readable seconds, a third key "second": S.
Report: {"hour": 10, "minute": 53}
